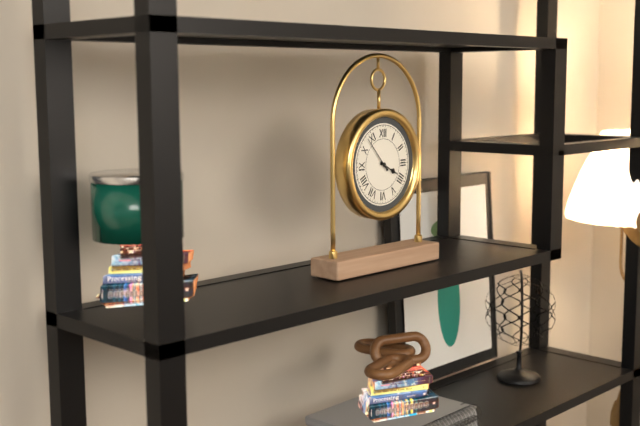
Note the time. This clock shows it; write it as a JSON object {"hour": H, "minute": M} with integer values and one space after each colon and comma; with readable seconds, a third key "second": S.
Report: {"hour": 3, "minute": 53}
